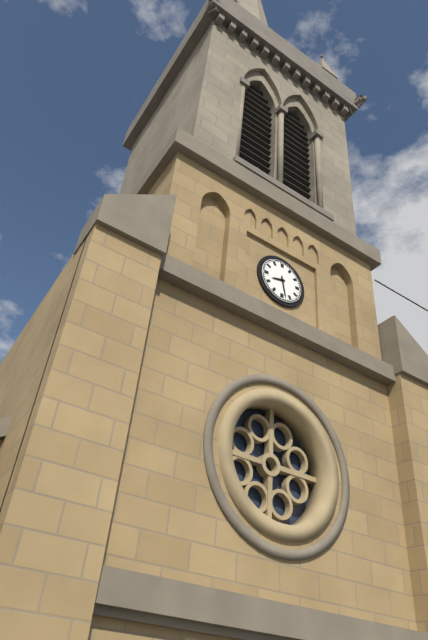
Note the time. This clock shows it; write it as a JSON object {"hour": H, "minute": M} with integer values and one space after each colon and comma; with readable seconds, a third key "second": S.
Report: {"hour": 8, "minute": 28}
